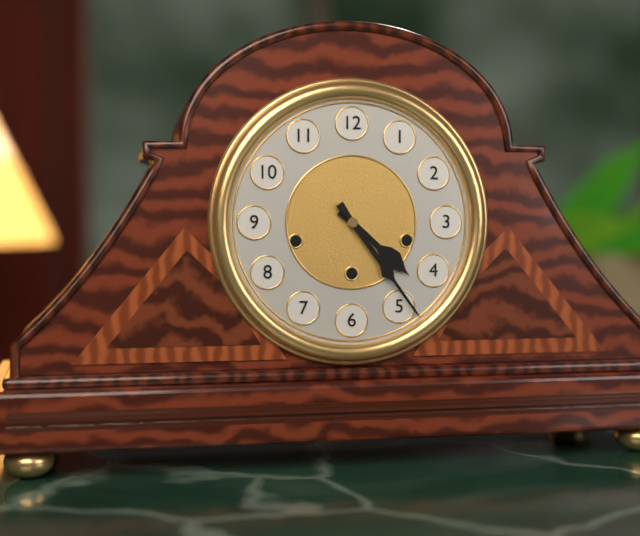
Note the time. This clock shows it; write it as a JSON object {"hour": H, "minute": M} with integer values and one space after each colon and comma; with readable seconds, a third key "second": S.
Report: {"hour": 4, "minute": 24}
